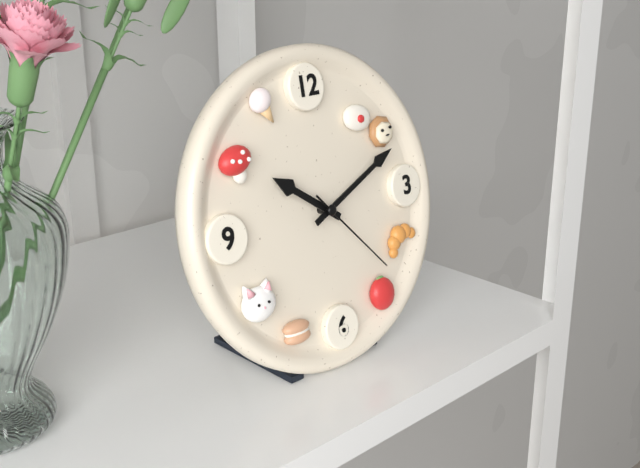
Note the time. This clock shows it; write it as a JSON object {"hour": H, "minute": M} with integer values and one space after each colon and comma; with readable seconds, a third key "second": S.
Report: {"hour": 10, "minute": 11, "second": 23}
